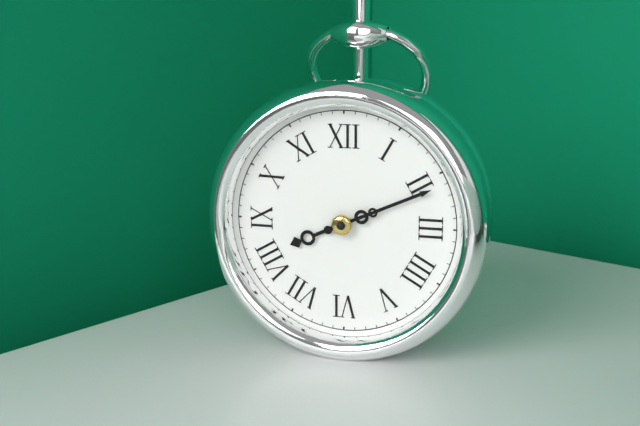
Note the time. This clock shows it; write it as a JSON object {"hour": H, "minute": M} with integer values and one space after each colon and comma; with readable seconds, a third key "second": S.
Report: {"hour": 8, "minute": 11}
